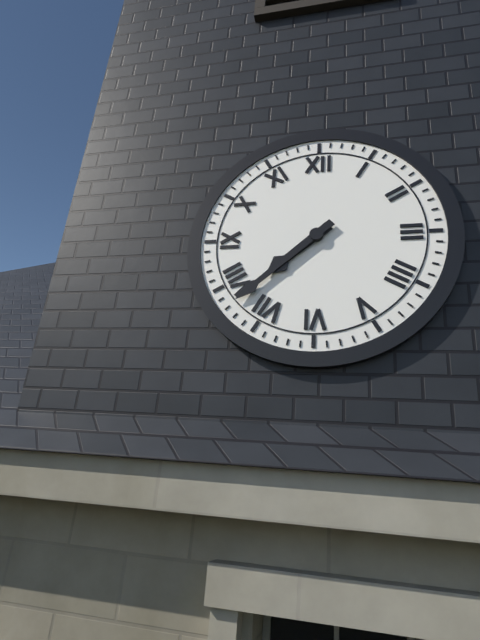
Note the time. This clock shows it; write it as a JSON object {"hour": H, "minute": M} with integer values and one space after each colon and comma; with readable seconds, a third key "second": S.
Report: {"hour": 7, "minute": 38}
